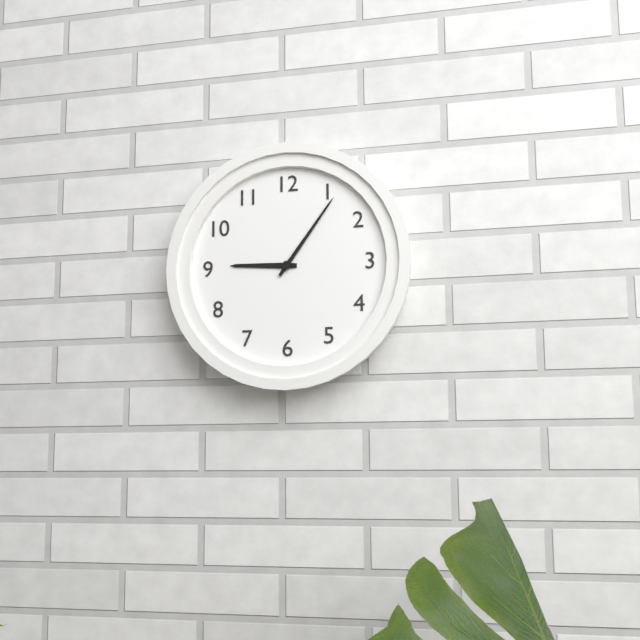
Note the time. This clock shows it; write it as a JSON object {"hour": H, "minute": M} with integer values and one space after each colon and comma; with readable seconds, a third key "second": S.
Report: {"hour": 9, "minute": 6}
